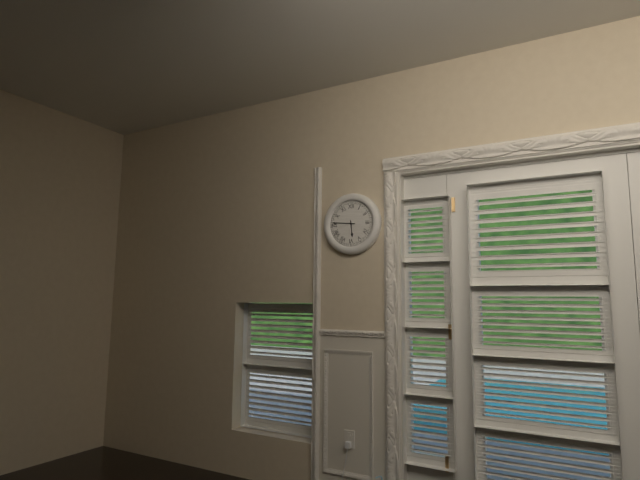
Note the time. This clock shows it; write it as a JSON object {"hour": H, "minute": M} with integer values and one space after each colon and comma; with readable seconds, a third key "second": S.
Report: {"hour": 5, "minute": 46}
